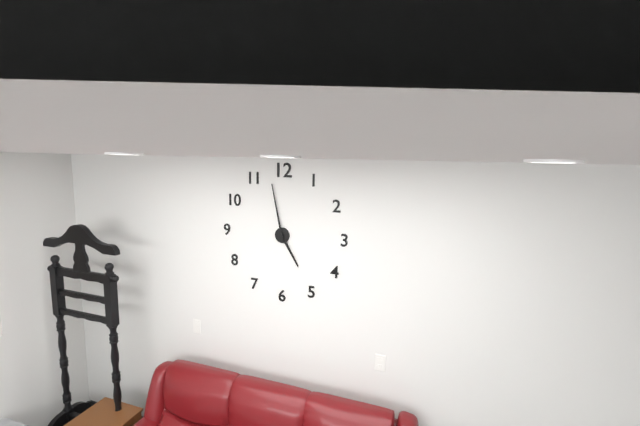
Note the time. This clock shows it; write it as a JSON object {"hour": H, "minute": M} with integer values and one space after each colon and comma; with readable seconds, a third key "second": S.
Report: {"hour": 4, "minute": 58}
